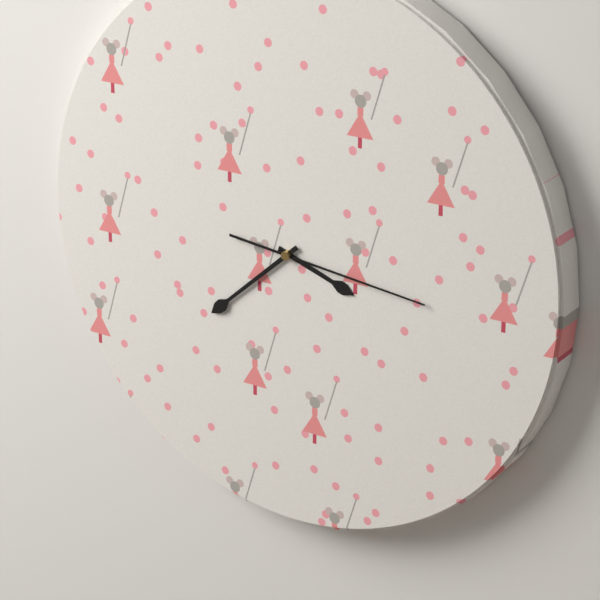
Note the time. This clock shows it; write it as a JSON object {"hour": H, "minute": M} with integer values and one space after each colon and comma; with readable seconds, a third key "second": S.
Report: {"hour": 3, "minute": 38, "second": 16}
